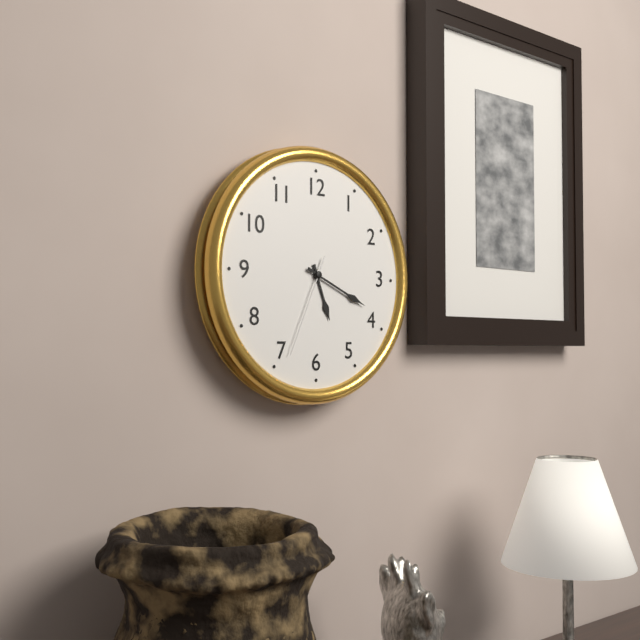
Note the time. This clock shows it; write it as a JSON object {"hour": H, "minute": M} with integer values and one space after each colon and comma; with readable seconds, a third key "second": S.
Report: {"hour": 5, "minute": 19, "second": 34}
